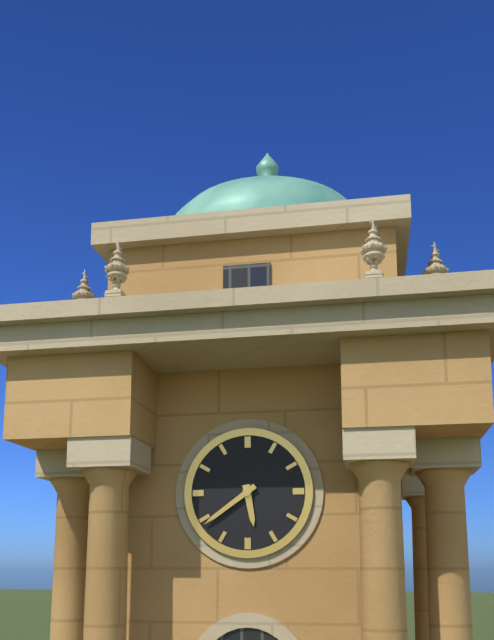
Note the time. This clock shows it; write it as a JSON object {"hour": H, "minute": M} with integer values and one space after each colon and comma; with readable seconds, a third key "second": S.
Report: {"hour": 5, "minute": 39}
